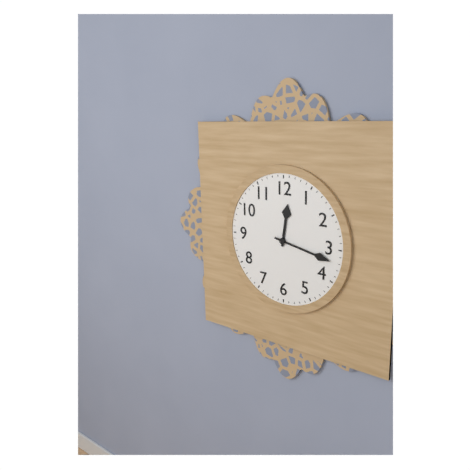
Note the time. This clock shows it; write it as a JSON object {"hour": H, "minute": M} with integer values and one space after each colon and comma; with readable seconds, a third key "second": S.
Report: {"hour": 12, "minute": 17}
